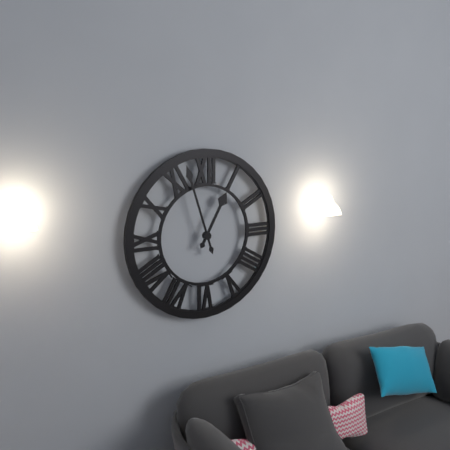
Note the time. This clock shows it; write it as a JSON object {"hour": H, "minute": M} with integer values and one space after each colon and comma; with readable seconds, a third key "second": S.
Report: {"hour": 12, "minute": 57}
